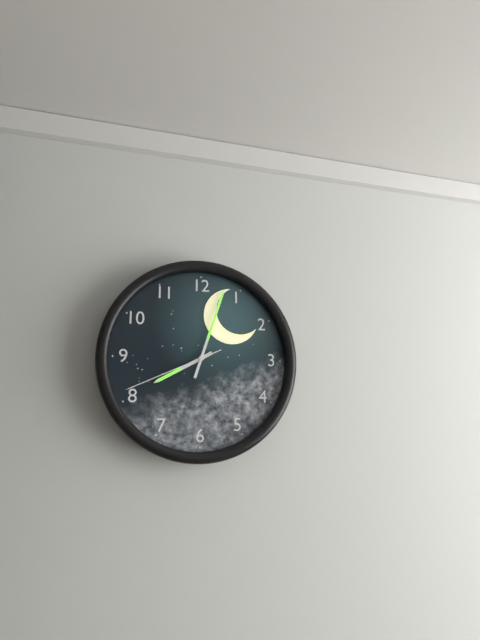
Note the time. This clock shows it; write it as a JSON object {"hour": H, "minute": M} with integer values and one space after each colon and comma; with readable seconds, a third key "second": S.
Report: {"hour": 8, "minute": 3, "second": 41}
